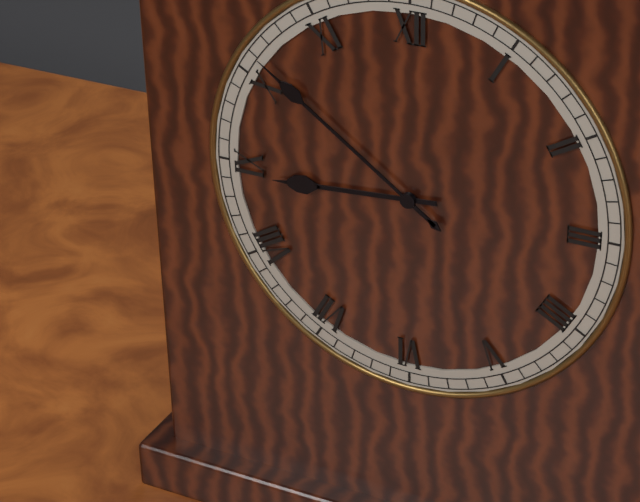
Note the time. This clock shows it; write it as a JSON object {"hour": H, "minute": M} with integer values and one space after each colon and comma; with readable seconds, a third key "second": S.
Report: {"hour": 8, "minute": 51}
